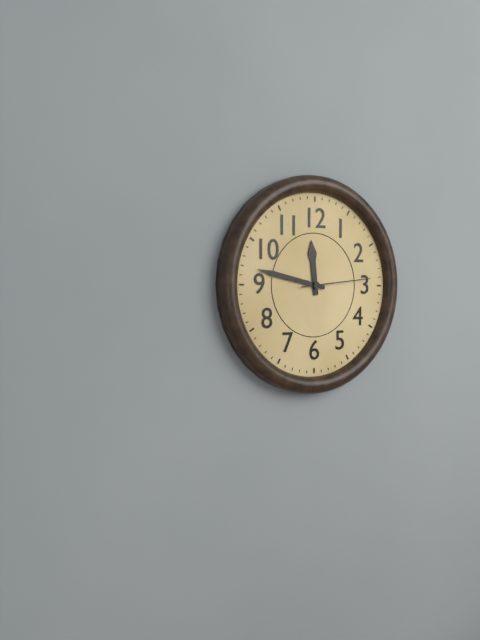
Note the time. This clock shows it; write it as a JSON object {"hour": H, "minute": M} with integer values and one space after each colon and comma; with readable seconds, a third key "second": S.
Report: {"hour": 11, "minute": 47, "second": 14}
